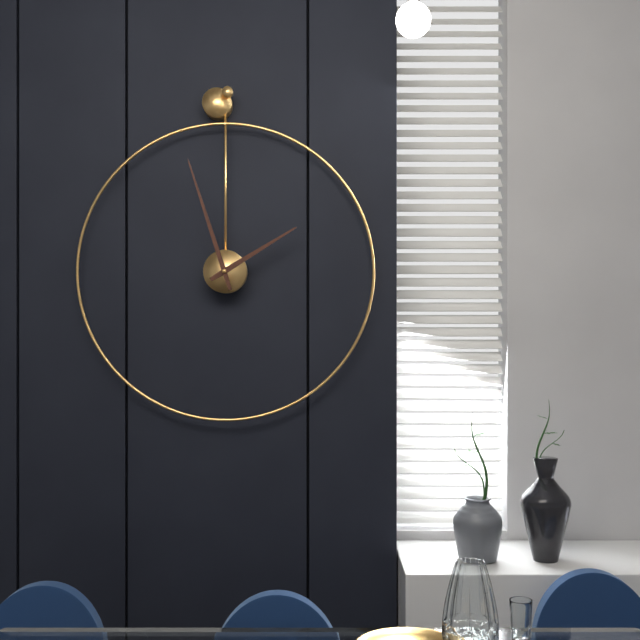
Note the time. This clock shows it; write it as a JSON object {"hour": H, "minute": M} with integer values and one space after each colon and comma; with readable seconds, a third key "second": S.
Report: {"hour": 1, "minute": 57}
